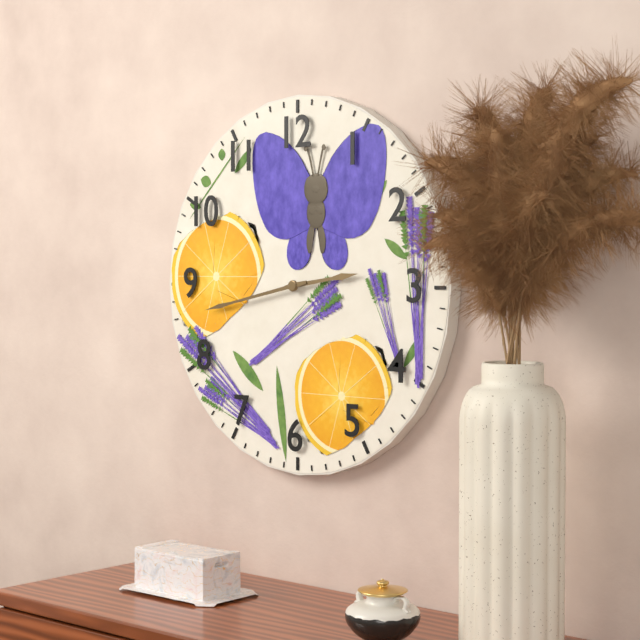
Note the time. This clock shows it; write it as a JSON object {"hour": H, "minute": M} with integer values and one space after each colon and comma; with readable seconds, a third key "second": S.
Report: {"hour": 2, "minute": 43}
